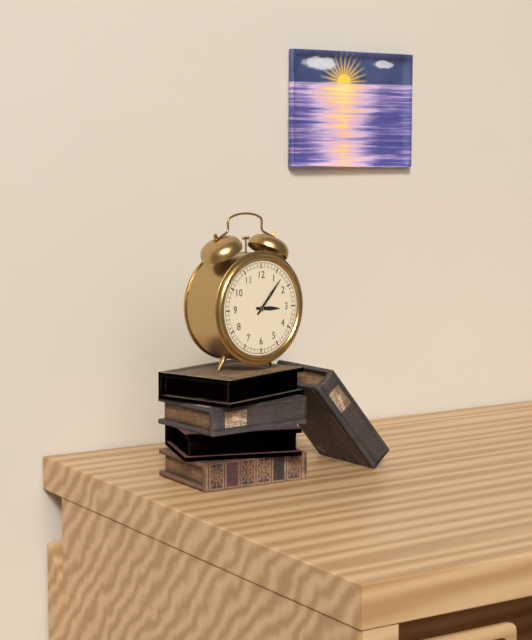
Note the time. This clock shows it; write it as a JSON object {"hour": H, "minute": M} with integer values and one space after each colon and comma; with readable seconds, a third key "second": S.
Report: {"hour": 3, "minute": 7}
